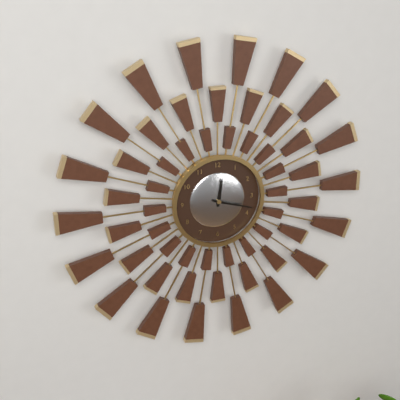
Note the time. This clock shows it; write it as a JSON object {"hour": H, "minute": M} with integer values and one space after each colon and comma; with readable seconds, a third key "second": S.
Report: {"hour": 12, "minute": 18}
